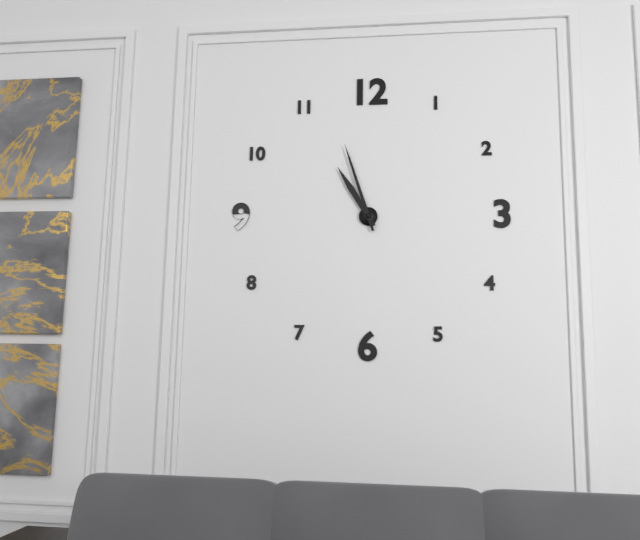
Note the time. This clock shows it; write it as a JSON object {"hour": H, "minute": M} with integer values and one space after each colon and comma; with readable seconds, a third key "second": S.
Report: {"hour": 10, "minute": 57}
